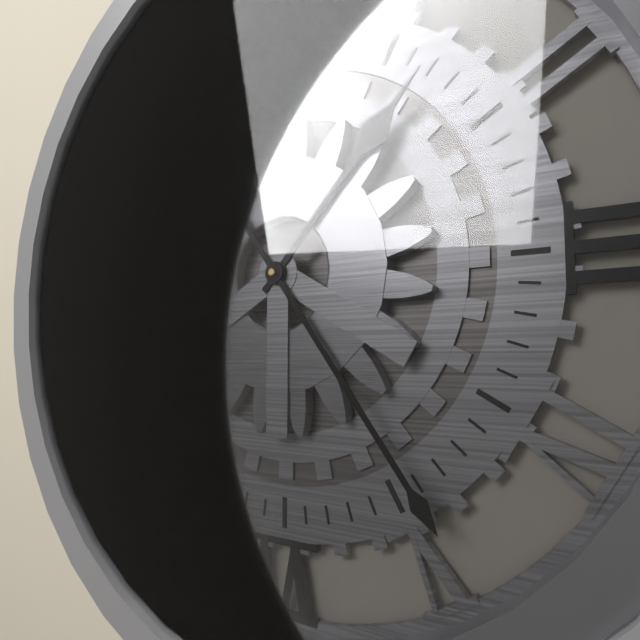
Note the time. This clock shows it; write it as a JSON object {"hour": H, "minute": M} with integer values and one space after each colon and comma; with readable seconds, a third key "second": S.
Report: {"hour": 1, "minute": 24}
